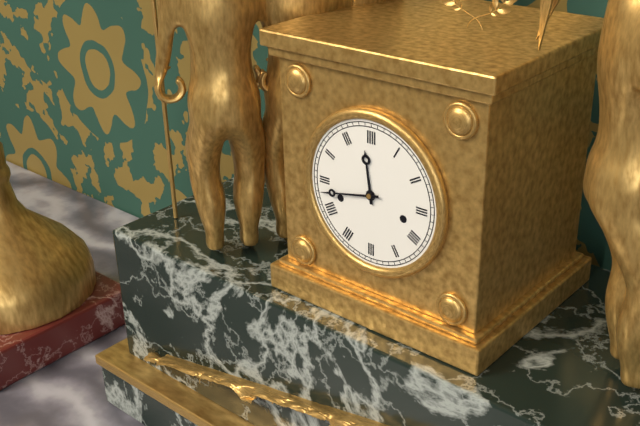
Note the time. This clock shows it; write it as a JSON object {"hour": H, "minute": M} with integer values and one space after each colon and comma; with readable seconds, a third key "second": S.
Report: {"hour": 11, "minute": 43}
